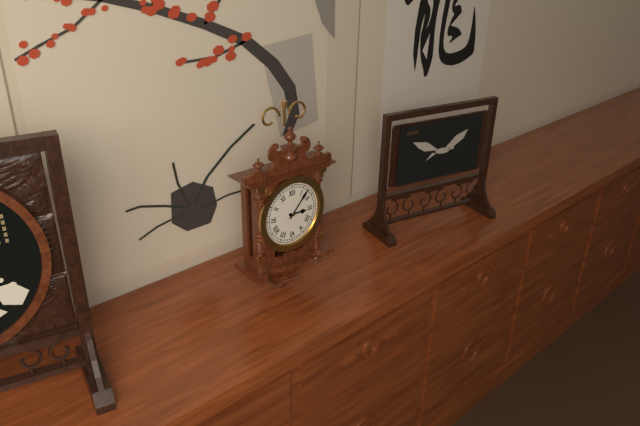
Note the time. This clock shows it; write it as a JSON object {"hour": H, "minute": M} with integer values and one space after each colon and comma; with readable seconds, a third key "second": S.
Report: {"hour": 3, "minute": 7}
